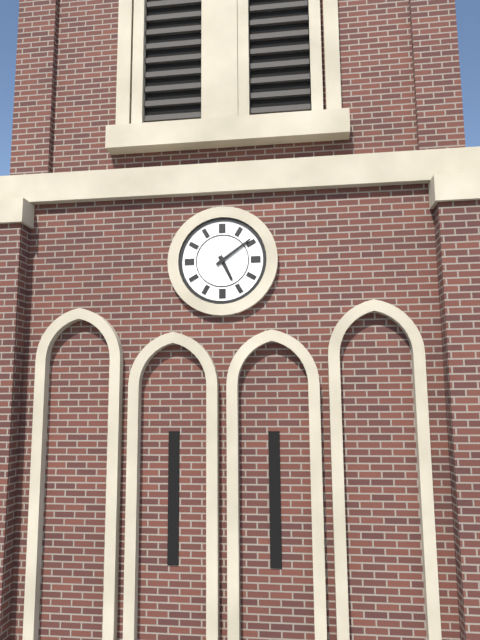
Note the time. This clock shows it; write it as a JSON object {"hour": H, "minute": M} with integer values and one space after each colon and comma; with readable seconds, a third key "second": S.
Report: {"hour": 5, "minute": 9}
